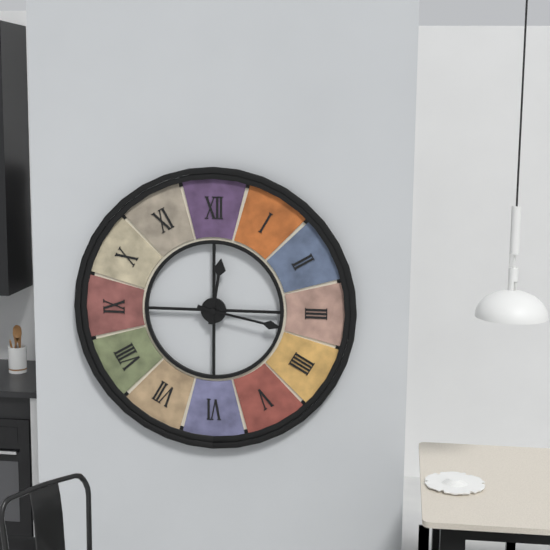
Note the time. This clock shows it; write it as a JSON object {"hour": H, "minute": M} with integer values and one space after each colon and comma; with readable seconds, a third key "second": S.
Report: {"hour": 12, "minute": 17}
